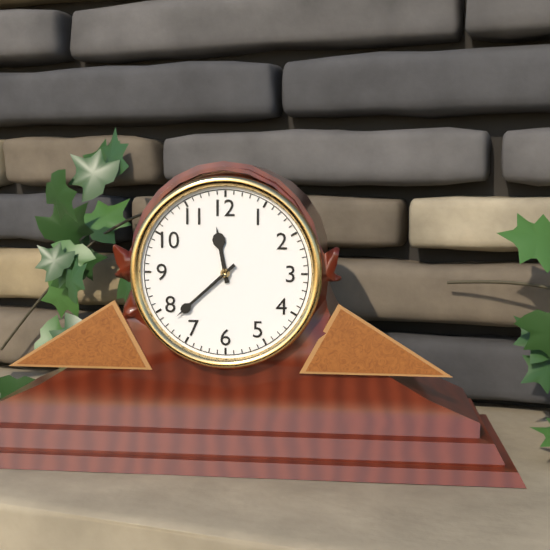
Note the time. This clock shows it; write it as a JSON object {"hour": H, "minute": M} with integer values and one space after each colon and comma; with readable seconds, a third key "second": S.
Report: {"hour": 11, "minute": 38}
